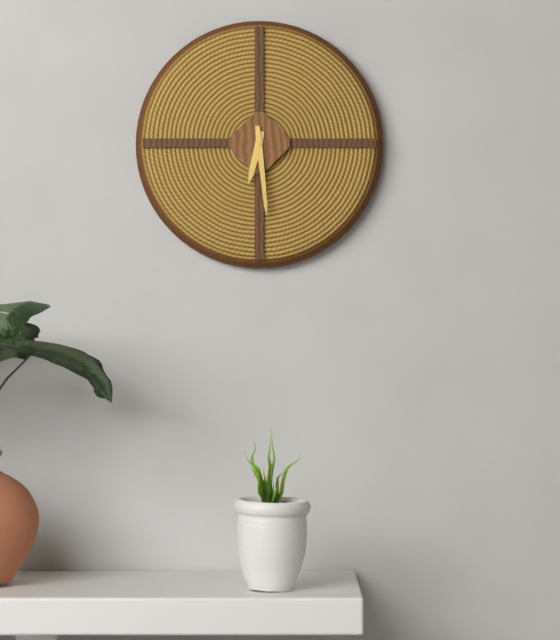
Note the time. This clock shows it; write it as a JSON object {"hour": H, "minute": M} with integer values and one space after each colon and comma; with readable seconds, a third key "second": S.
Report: {"hour": 6, "minute": 29}
